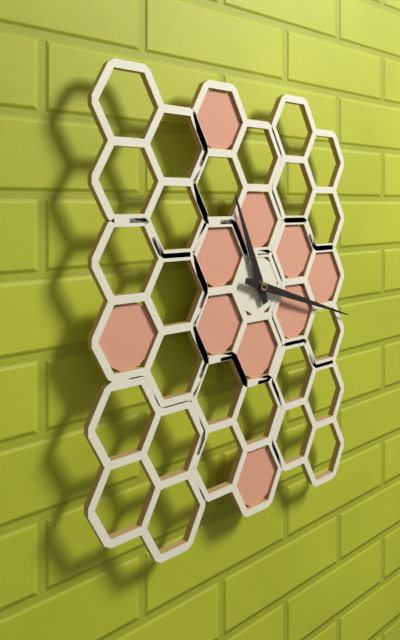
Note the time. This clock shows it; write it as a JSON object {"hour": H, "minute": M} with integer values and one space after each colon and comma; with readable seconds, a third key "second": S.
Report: {"hour": 11, "minute": 18}
